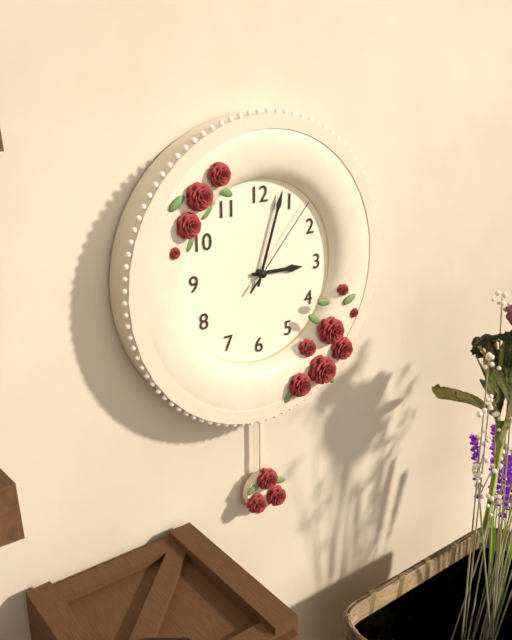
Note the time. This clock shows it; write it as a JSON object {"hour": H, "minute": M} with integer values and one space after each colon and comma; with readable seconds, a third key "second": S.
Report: {"hour": 3, "minute": 3, "second": 7}
